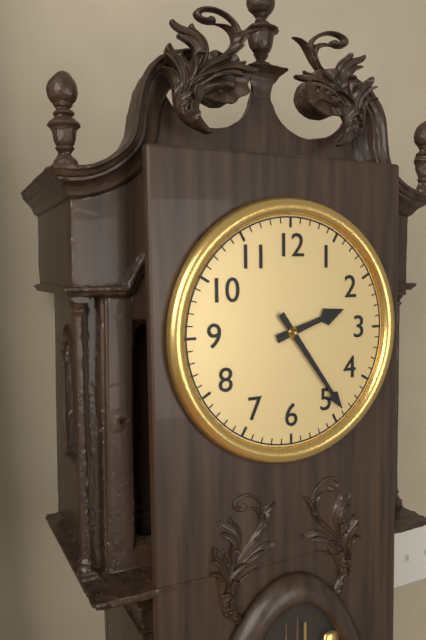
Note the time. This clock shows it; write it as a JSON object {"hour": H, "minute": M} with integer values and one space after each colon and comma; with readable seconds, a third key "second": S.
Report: {"hour": 2, "minute": 24}
